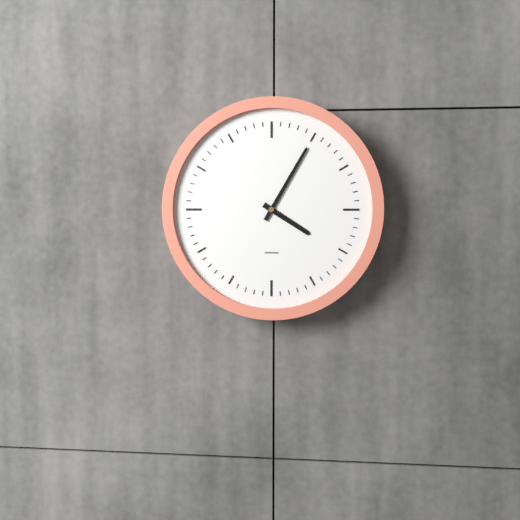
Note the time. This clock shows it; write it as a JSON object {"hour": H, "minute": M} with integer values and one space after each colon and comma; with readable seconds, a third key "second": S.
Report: {"hour": 4, "minute": 5}
